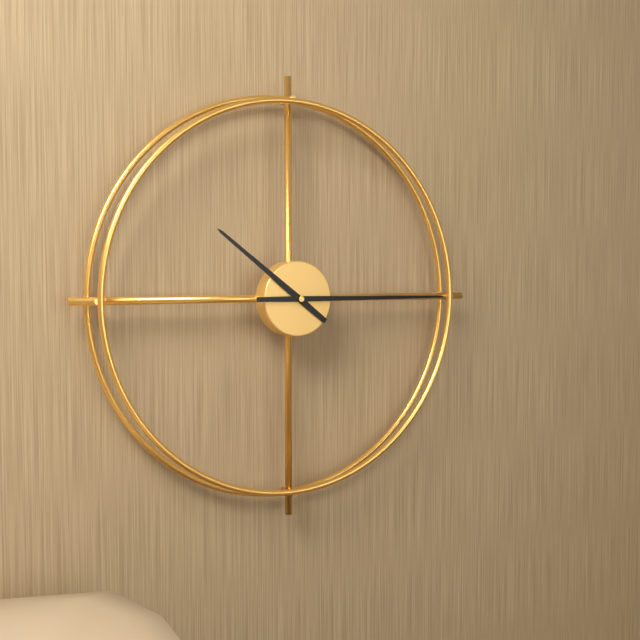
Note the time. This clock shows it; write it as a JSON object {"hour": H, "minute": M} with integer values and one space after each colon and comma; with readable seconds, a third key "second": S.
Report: {"hour": 10, "minute": 15}
